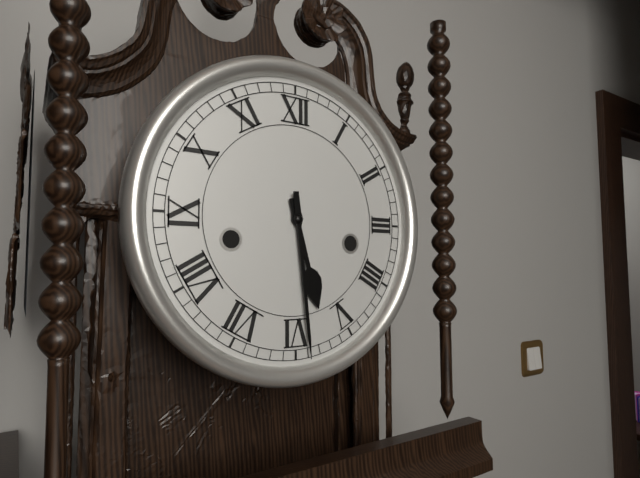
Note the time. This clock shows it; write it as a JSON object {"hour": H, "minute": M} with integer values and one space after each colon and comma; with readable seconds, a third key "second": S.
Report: {"hour": 5, "minute": 29}
